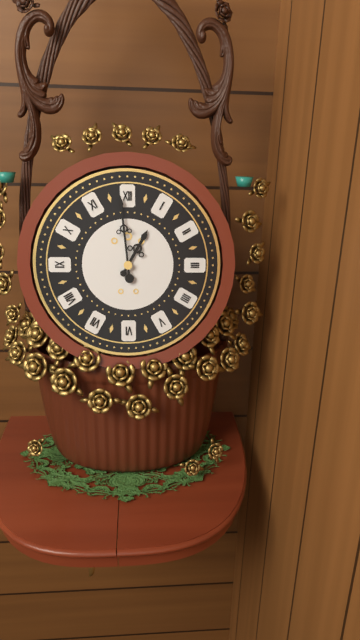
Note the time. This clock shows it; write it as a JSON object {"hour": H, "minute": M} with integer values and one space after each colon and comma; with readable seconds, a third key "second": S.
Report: {"hour": 12, "minute": 59}
